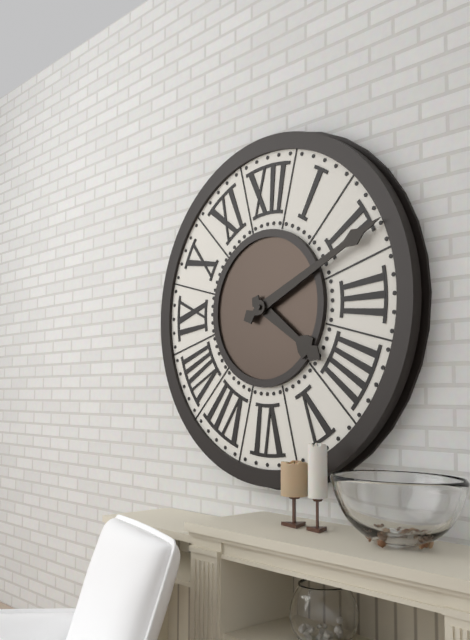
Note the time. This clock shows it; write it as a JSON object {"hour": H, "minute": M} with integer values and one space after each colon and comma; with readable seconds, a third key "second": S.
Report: {"hour": 4, "minute": 11}
